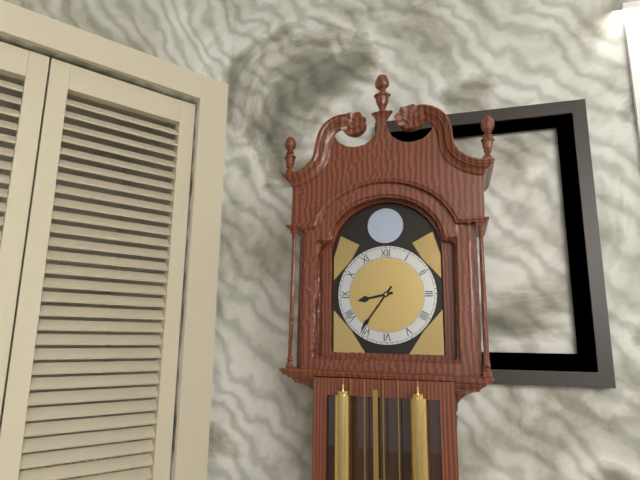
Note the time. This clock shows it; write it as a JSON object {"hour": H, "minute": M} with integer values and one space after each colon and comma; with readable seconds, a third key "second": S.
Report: {"hour": 8, "minute": 36}
